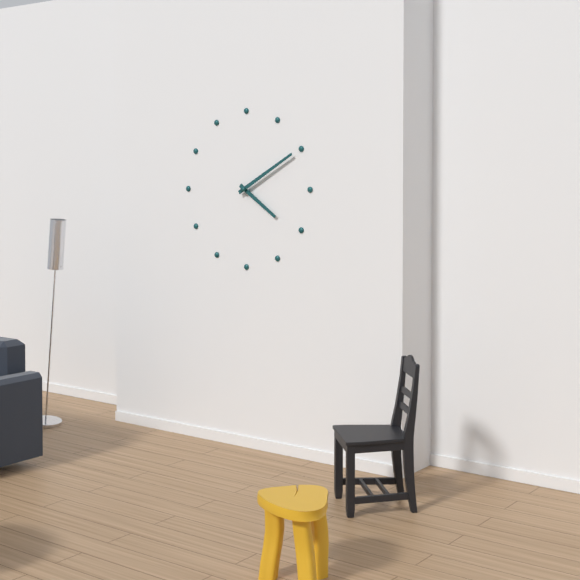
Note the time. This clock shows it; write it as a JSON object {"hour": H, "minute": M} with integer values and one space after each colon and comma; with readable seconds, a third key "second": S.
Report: {"hour": 4, "minute": 10}
